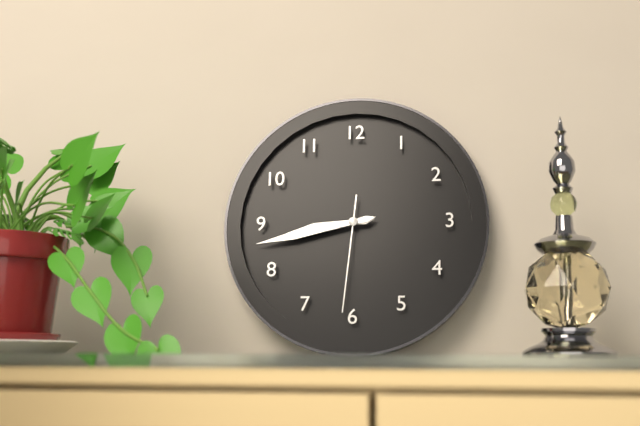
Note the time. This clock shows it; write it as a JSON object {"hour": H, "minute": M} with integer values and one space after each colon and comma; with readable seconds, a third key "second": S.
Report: {"hour": 8, "minute": 43, "second": 31}
